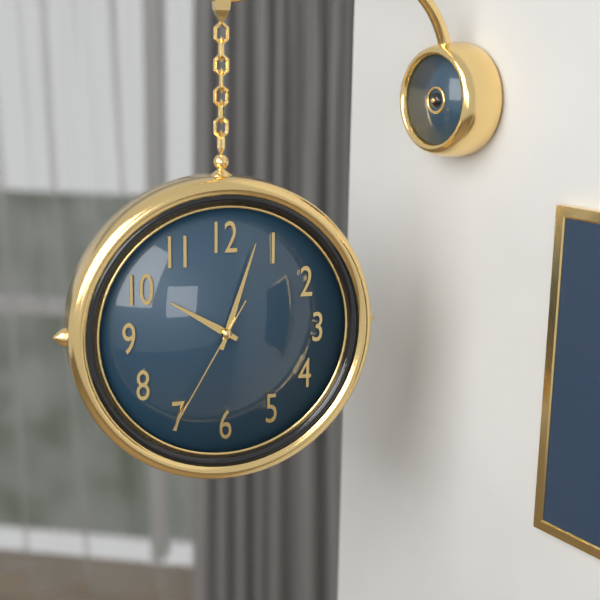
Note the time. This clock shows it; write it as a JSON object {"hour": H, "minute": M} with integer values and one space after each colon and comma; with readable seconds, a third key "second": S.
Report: {"hour": 10, "minute": 3, "second": 35}
